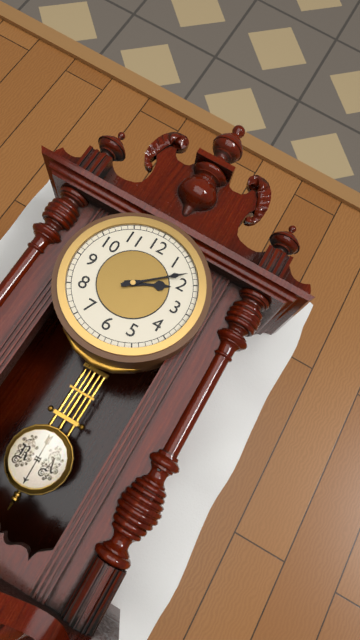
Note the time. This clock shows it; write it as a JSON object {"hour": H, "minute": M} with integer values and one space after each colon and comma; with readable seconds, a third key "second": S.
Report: {"hour": 2, "minute": 8}
